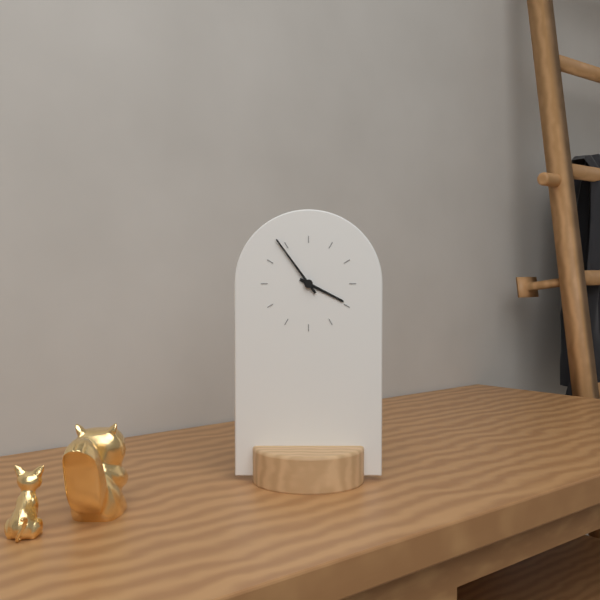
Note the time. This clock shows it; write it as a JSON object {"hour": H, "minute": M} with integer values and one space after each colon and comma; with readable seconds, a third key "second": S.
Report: {"hour": 3, "minute": 54}
